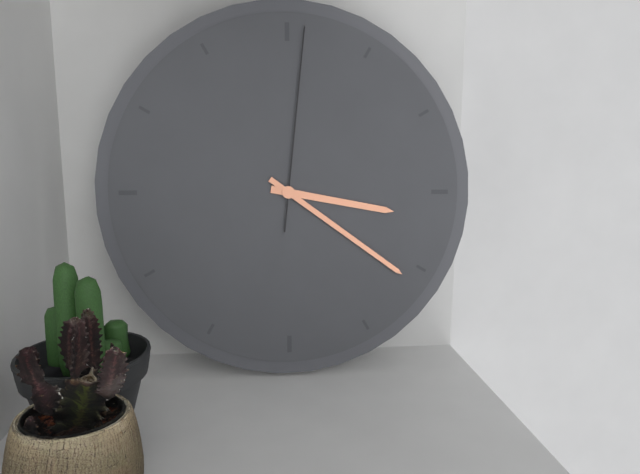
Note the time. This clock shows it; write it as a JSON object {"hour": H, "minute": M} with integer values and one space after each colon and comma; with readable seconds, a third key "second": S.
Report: {"hour": 3, "minute": 21, "second": 1}
